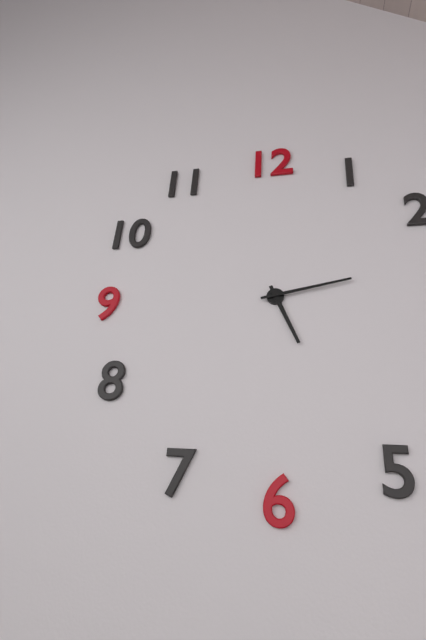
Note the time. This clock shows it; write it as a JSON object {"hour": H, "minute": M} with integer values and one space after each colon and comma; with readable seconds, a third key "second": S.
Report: {"hour": 5, "minute": 13}
